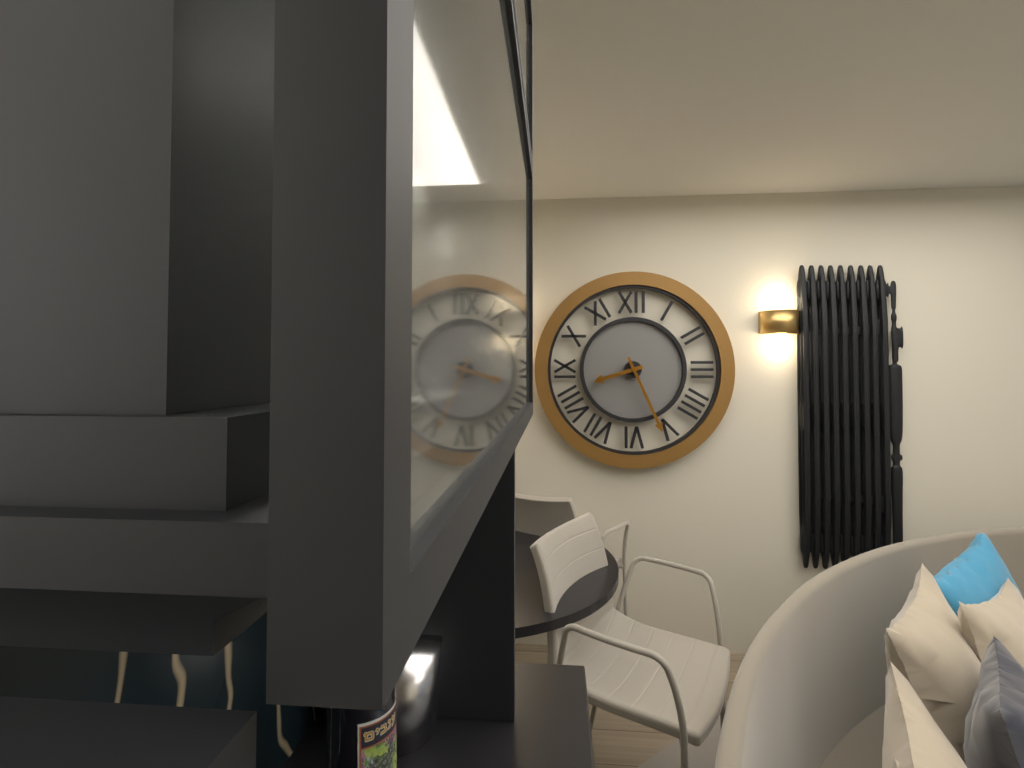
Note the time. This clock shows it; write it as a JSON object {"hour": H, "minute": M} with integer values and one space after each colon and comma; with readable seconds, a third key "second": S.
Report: {"hour": 8, "minute": 26}
